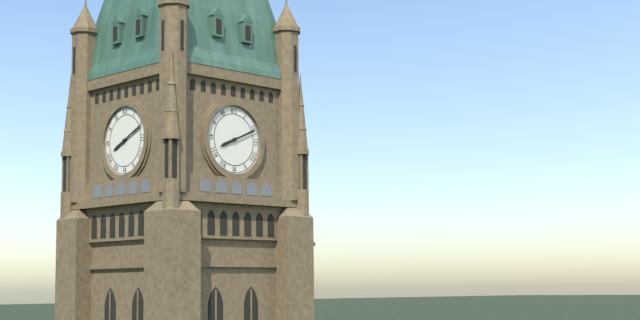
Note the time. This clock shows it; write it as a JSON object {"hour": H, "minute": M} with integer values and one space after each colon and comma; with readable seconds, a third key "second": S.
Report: {"hour": 8, "minute": 11}
